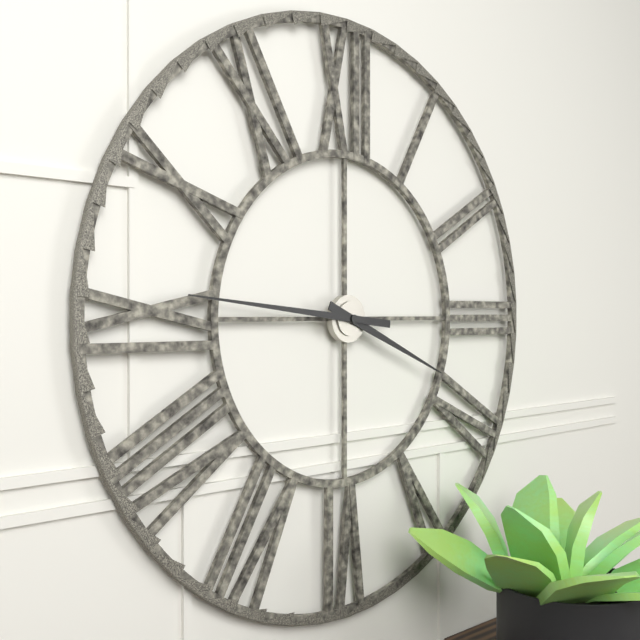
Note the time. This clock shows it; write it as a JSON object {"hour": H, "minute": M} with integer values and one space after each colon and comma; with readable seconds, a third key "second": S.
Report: {"hour": 3, "minute": 46}
